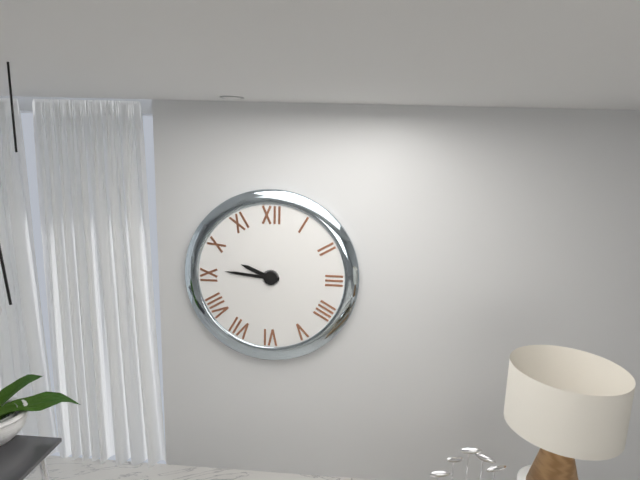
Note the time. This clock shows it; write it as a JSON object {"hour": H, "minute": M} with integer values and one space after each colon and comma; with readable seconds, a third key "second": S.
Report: {"hour": 9, "minute": 46}
